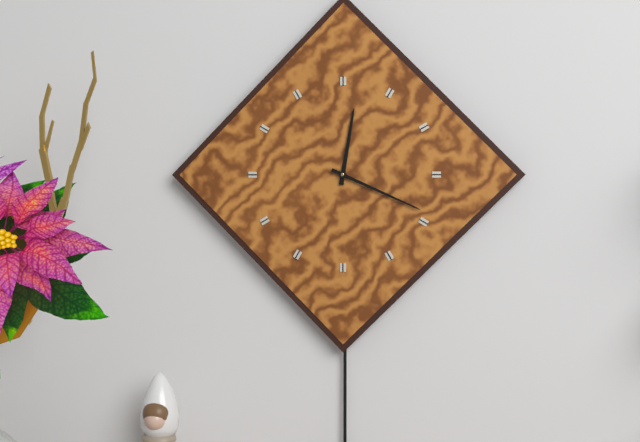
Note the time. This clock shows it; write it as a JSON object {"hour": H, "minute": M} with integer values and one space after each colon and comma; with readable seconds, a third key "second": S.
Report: {"hour": 12, "minute": 19}
